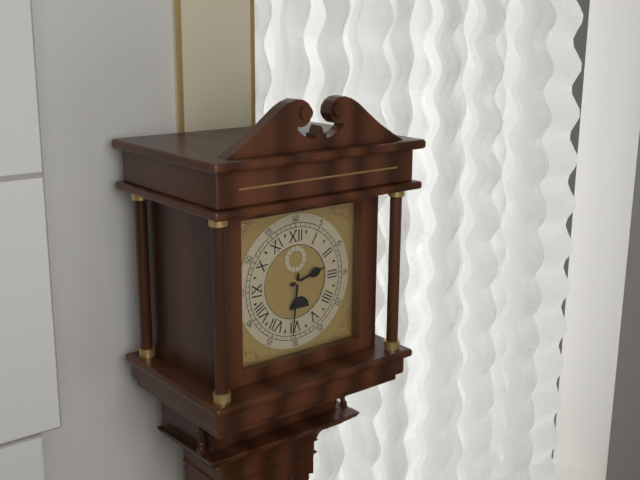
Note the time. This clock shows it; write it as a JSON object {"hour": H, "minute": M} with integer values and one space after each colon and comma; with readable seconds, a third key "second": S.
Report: {"hour": 2, "minute": 31}
